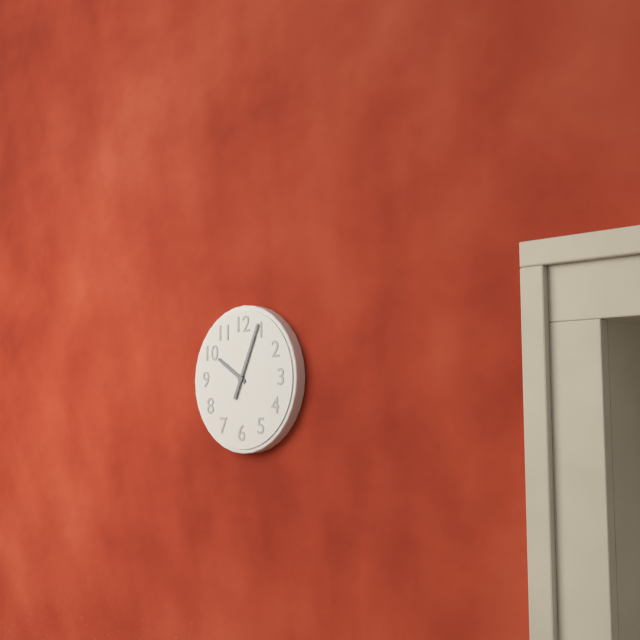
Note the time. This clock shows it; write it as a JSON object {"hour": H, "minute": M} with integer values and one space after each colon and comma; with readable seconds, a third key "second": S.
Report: {"hour": 10, "minute": 4}
